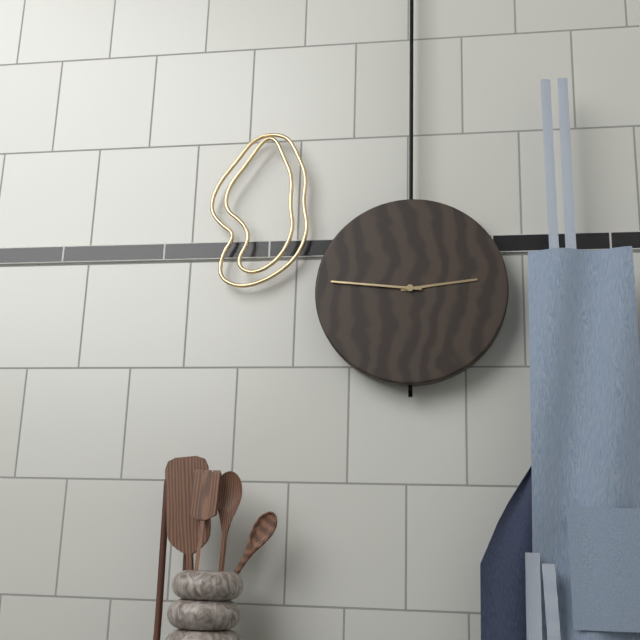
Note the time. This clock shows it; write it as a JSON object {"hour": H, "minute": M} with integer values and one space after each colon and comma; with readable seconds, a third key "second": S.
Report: {"hour": 2, "minute": 46}
